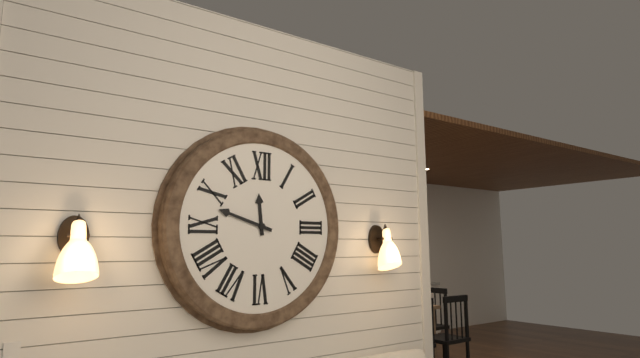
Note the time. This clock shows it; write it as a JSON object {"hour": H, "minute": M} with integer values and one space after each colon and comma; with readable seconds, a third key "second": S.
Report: {"hour": 11, "minute": 48}
